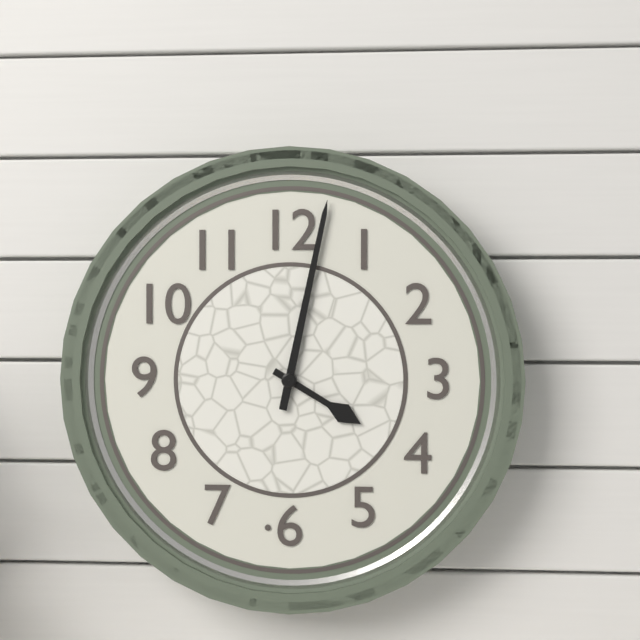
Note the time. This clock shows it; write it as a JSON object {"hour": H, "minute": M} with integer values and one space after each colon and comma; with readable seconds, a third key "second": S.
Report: {"hour": 4, "minute": 2}
